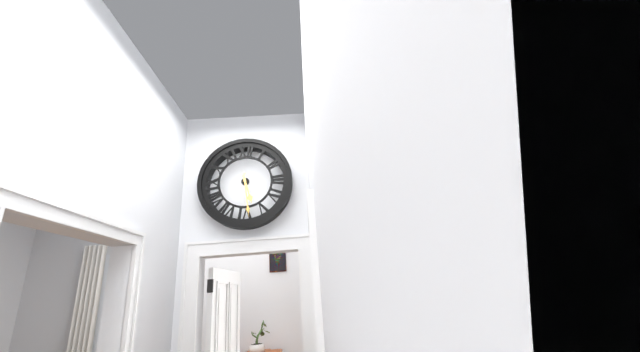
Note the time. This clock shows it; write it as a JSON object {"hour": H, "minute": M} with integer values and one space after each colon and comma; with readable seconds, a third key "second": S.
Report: {"hour": 5, "minute": 29}
